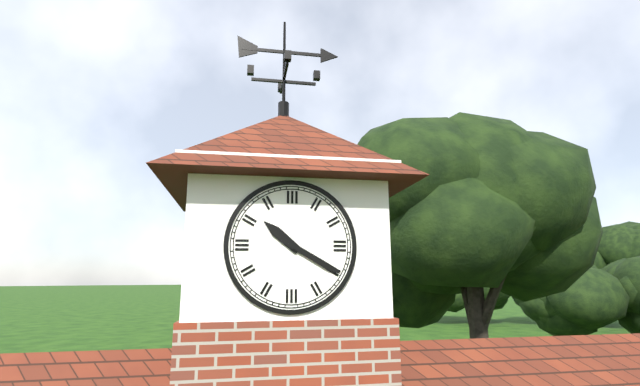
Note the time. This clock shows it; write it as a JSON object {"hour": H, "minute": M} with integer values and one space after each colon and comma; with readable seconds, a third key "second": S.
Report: {"hour": 10, "minute": 20}
